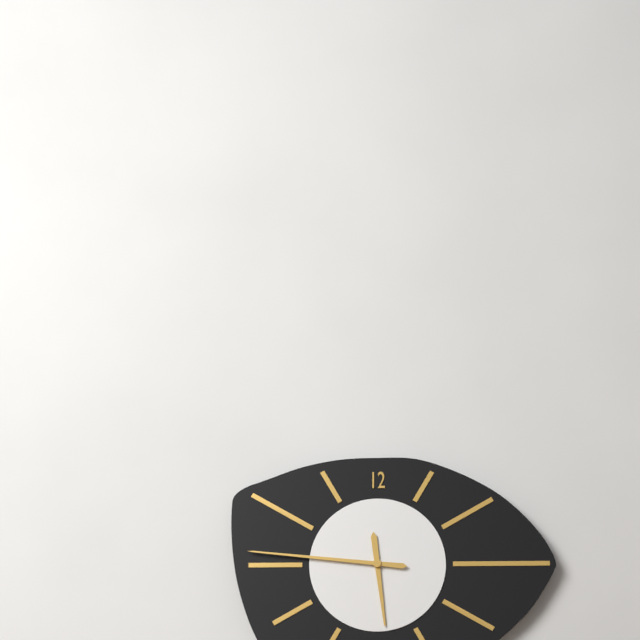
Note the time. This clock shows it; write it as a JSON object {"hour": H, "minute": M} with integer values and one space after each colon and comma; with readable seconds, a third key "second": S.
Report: {"hour": 5, "minute": 46}
